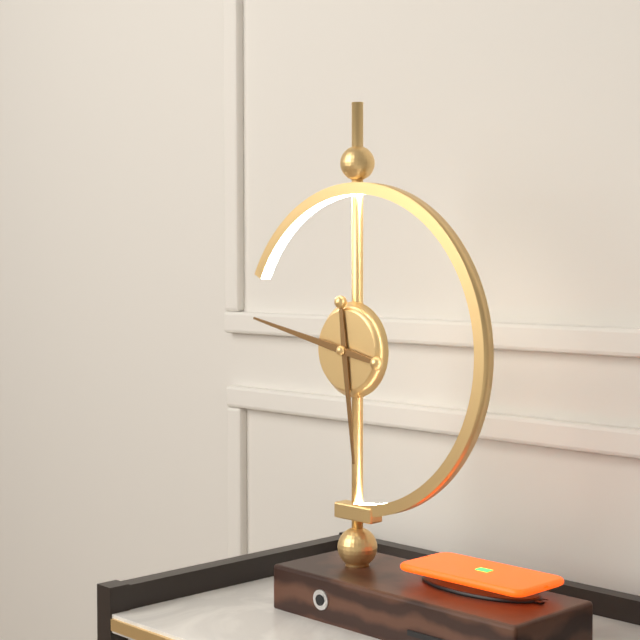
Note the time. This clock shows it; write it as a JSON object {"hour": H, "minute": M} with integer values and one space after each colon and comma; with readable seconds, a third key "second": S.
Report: {"hour": 5, "minute": 47}
